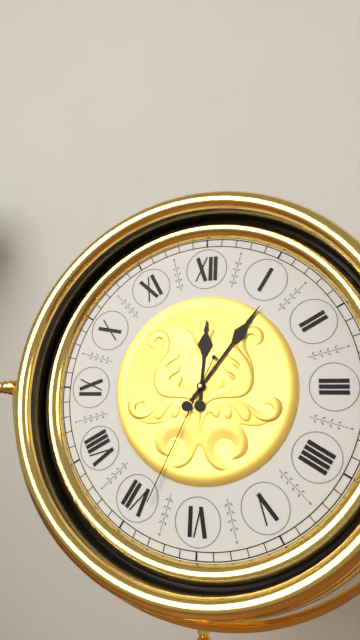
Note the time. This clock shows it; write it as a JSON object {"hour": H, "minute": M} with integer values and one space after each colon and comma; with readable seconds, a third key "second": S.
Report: {"hour": 12, "minute": 6, "second": 34}
